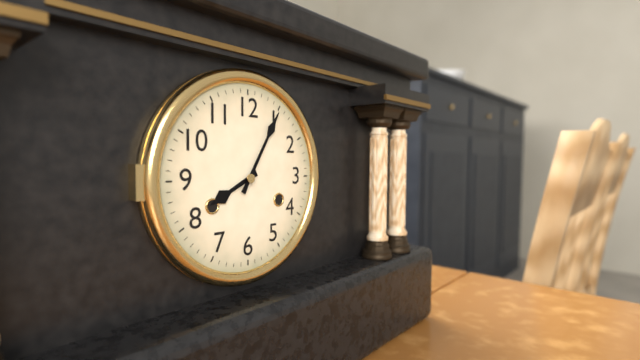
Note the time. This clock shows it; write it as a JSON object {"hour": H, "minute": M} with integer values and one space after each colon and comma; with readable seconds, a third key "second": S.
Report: {"hour": 8, "minute": 5}
